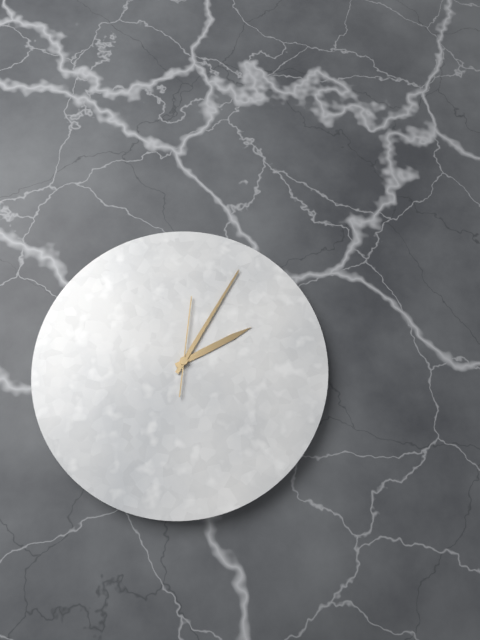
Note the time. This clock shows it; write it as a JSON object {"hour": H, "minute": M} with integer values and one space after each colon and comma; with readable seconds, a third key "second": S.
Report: {"hour": 2, "minute": 5, "second": 1}
